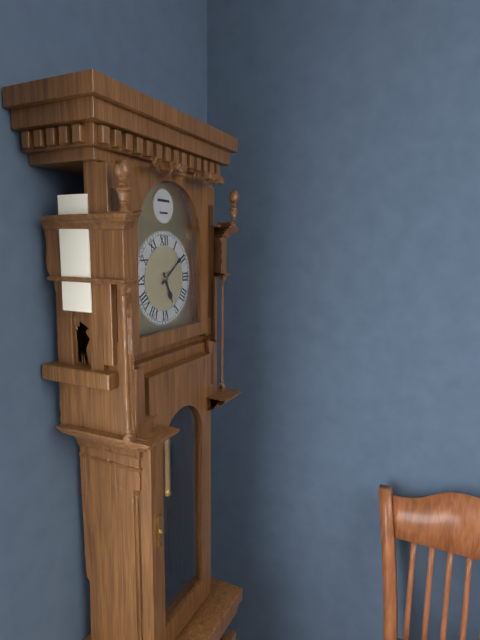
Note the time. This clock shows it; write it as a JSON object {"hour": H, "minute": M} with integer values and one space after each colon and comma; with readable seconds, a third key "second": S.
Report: {"hour": 5, "minute": 9}
